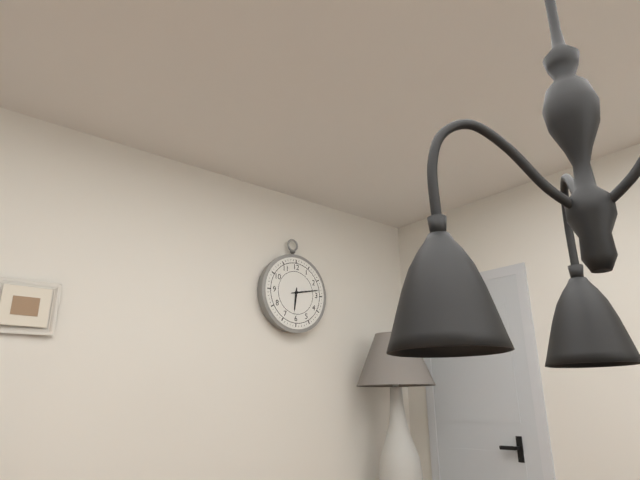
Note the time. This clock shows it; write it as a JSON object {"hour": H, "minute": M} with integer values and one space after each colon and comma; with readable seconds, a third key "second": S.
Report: {"hour": 6, "minute": 13}
